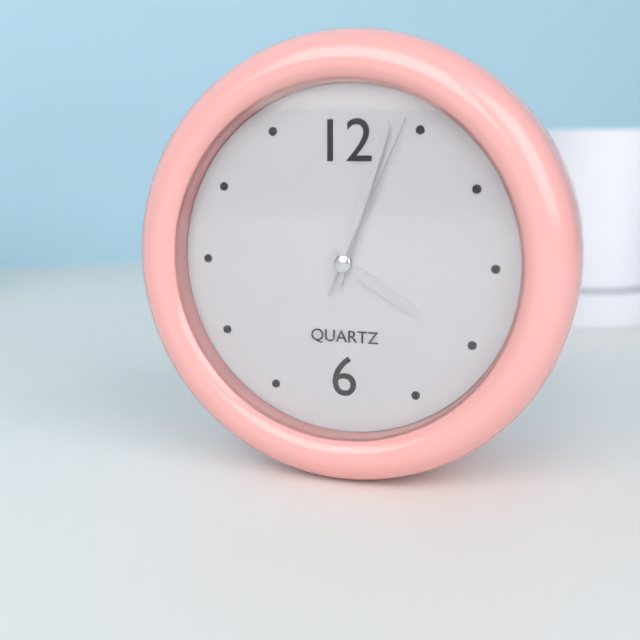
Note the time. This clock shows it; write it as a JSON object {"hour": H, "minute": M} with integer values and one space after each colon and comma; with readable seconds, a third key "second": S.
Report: {"hour": 4, "minute": 3, "second": 4}
